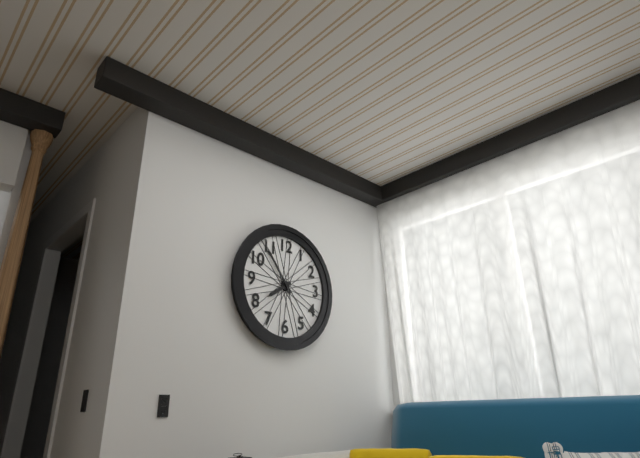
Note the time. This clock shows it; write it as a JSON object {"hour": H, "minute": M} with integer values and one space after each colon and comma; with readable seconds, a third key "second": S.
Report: {"hour": 7, "minute": 54}
